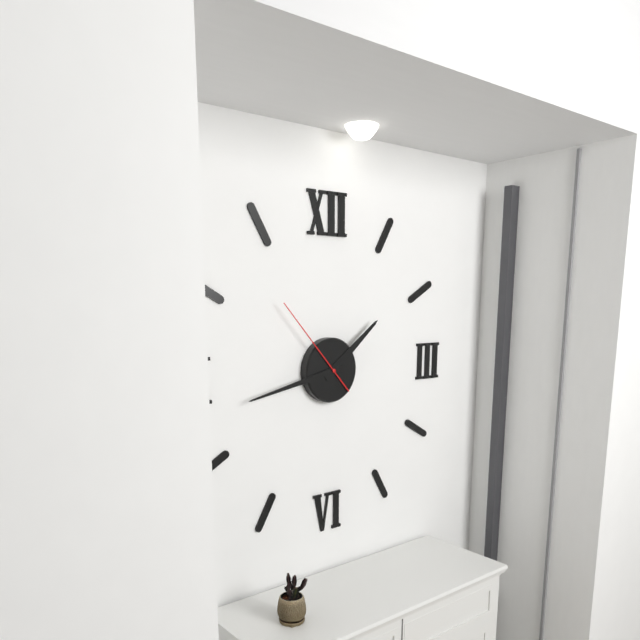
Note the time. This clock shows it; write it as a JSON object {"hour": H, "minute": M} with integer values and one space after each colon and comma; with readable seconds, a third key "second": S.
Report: {"hour": 1, "minute": 43, "second": 53}
